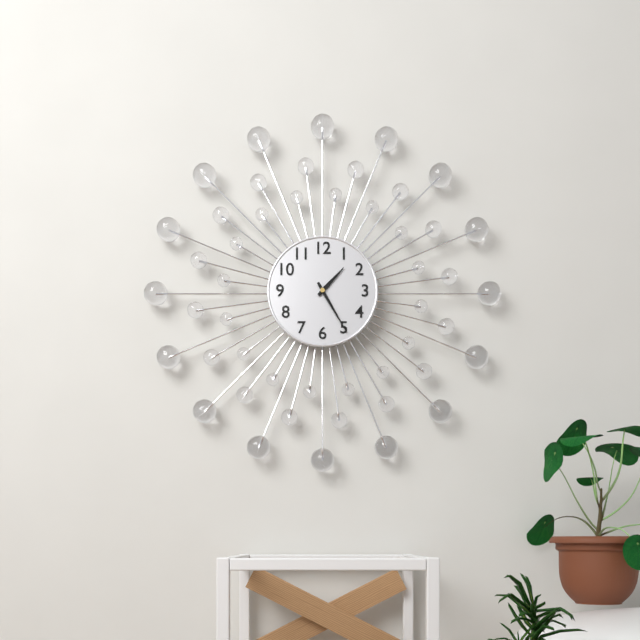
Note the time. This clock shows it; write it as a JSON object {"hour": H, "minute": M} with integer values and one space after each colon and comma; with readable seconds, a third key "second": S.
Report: {"hour": 1, "minute": 25}
